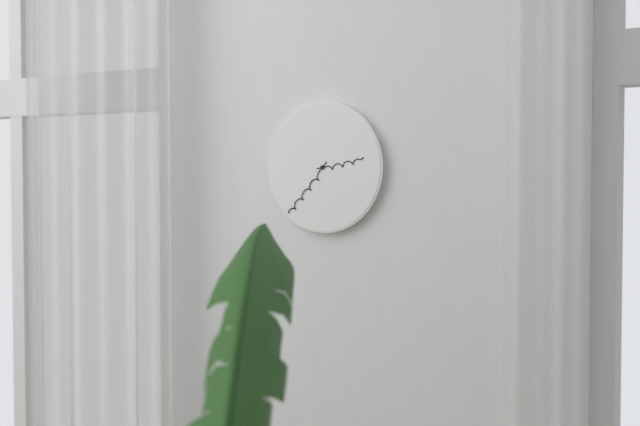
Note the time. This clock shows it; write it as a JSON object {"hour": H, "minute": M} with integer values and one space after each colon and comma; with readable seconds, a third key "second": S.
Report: {"hour": 2, "minute": 37}
